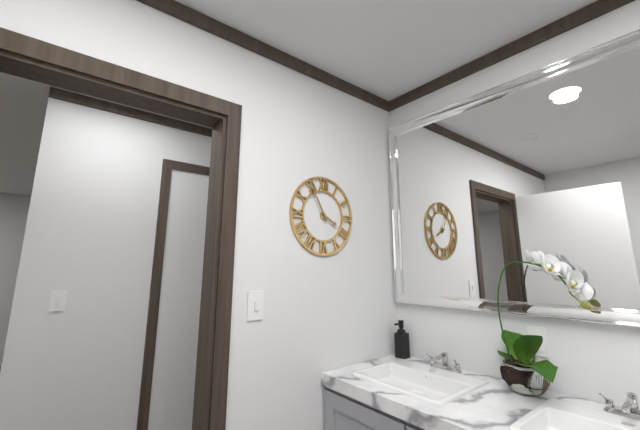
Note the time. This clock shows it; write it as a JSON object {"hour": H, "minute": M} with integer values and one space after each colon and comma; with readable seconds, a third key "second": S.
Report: {"hour": 3, "minute": 55}
